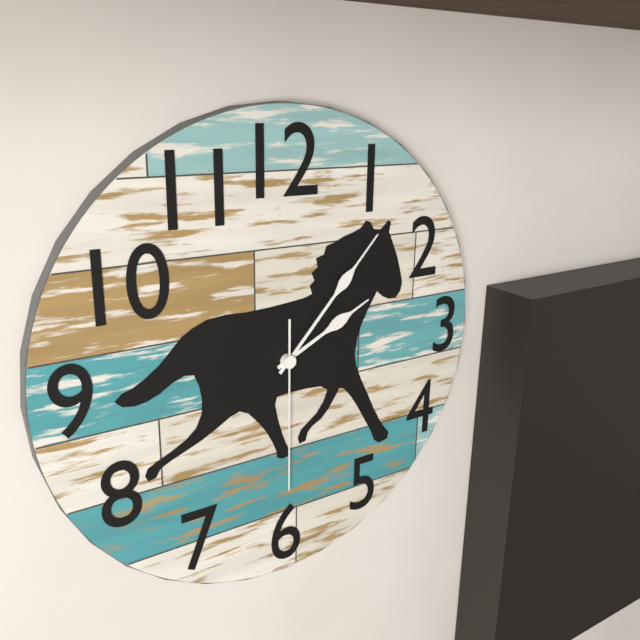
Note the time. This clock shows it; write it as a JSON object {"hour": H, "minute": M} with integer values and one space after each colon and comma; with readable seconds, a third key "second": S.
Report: {"hour": 2, "minute": 7, "second": 30}
